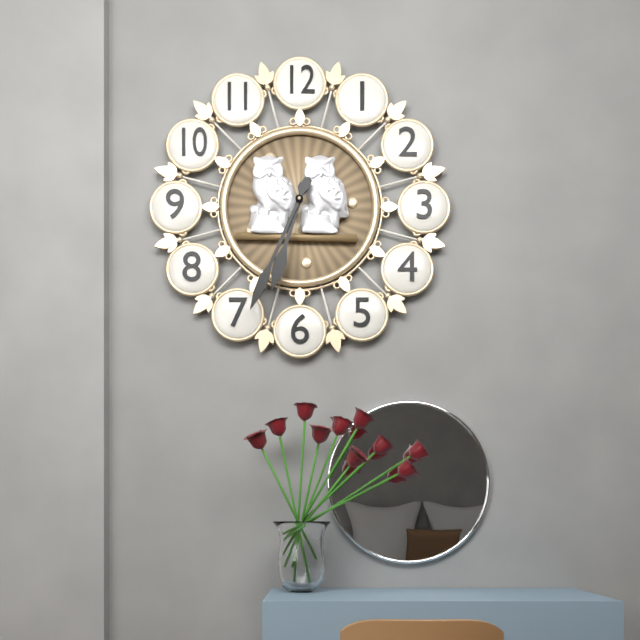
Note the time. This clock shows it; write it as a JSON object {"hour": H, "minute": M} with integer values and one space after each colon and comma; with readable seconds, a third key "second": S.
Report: {"hour": 6, "minute": 34}
